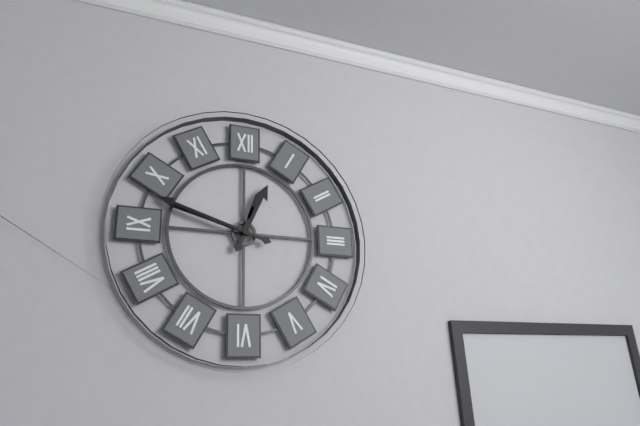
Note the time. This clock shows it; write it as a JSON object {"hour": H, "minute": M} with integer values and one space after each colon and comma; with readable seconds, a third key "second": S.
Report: {"hour": 12, "minute": 48}
